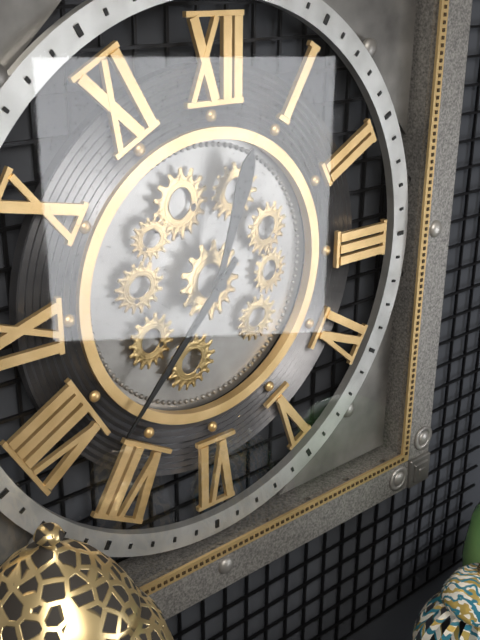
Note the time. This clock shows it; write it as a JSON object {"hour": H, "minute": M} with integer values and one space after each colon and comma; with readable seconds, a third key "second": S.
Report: {"hour": 12, "minute": 37}
